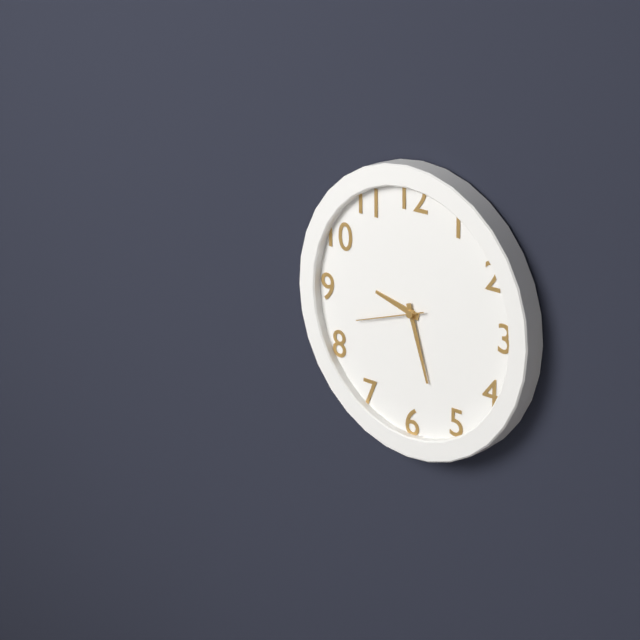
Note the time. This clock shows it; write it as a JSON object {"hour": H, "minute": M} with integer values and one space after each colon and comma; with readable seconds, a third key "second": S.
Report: {"hour": 9, "minute": 27, "second": 42}
